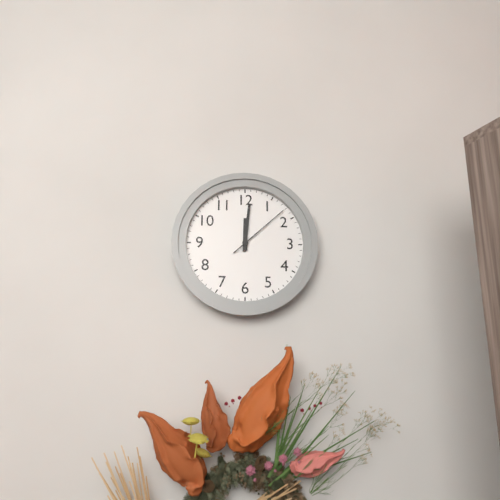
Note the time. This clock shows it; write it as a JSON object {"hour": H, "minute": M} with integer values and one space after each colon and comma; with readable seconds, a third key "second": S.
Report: {"hour": 12, "minute": 1, "second": 8}
